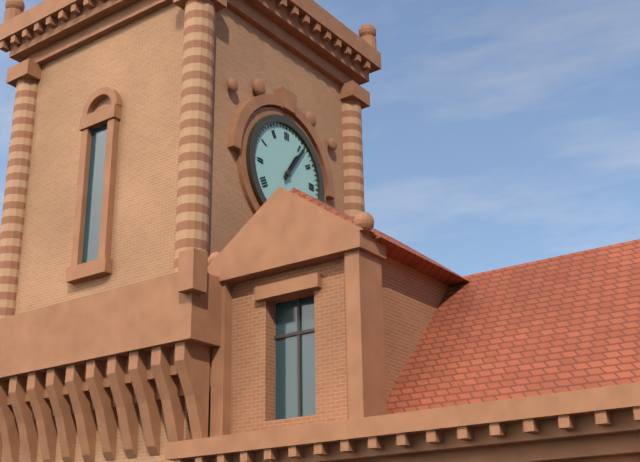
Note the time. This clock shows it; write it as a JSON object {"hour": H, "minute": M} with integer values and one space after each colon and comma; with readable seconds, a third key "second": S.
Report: {"hour": 1, "minute": 6}
